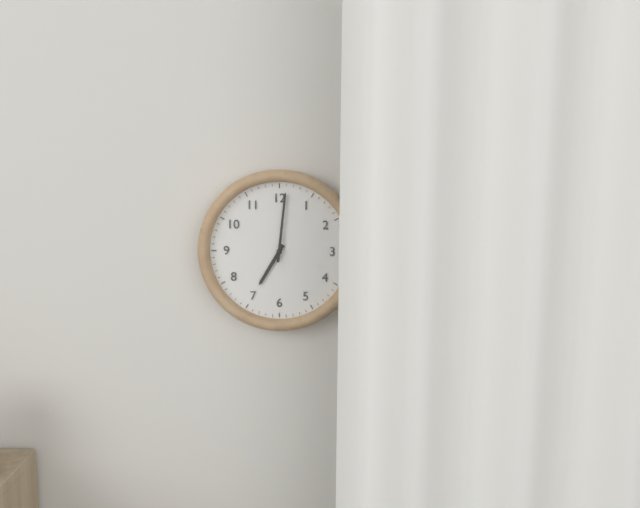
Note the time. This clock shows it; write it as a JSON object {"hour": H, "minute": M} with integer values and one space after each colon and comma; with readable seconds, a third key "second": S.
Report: {"hour": 7, "minute": 1}
